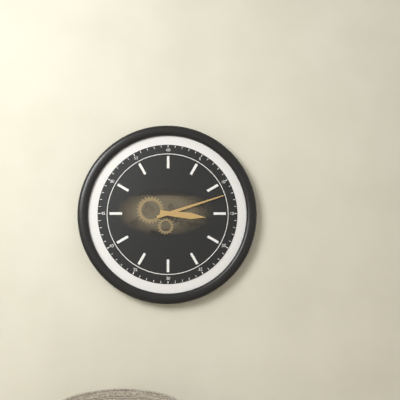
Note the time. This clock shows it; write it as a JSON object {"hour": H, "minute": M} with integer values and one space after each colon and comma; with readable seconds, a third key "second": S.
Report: {"hour": 3, "minute": 12}
